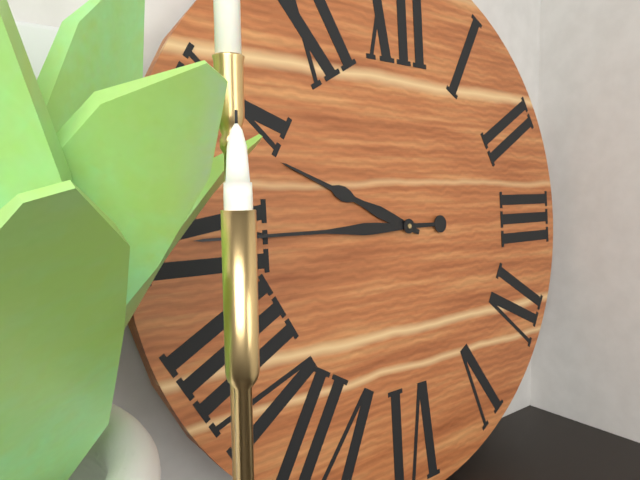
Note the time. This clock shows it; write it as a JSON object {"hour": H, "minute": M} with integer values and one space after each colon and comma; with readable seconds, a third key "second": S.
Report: {"hour": 9, "minute": 45}
